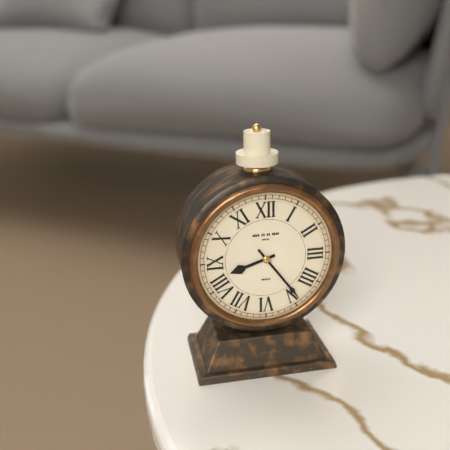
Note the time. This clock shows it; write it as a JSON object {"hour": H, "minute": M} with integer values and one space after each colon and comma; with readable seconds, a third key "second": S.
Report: {"hour": 8, "minute": 24}
